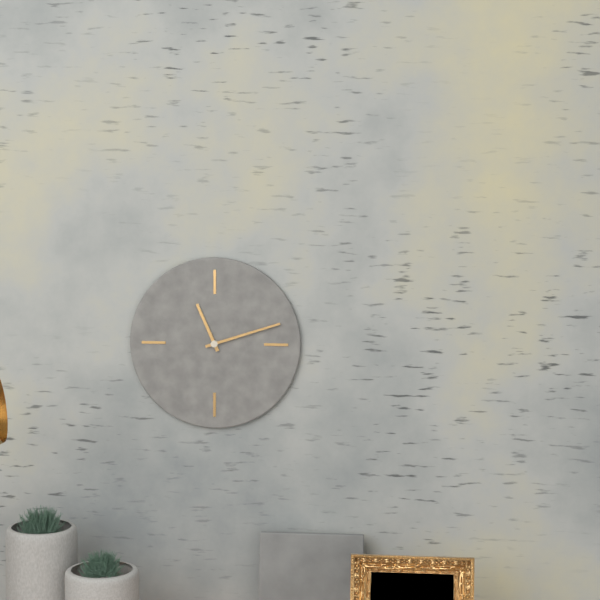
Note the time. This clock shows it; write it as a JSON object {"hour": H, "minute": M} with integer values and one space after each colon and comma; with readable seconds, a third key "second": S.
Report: {"hour": 11, "minute": 12}
